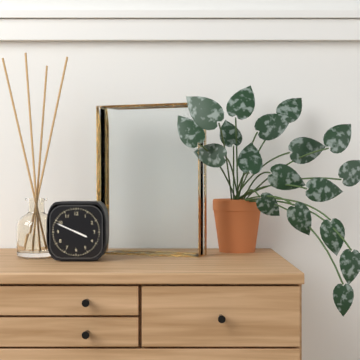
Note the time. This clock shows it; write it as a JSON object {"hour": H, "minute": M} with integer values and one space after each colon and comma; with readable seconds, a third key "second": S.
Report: {"hour": 3, "minute": 49}
